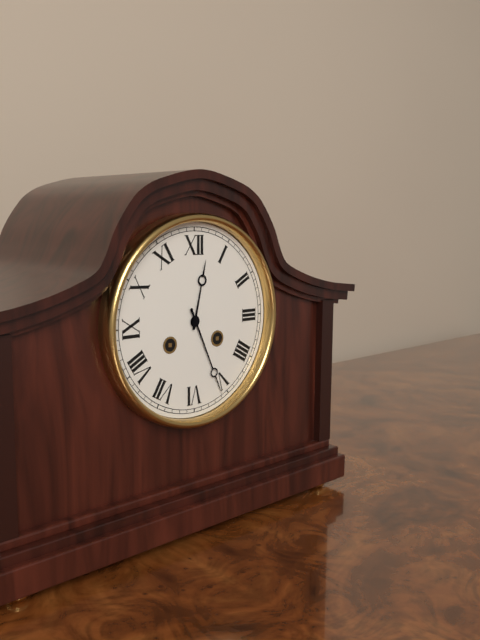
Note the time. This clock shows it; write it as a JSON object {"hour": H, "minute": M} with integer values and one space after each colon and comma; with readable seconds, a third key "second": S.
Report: {"hour": 12, "minute": 26}
